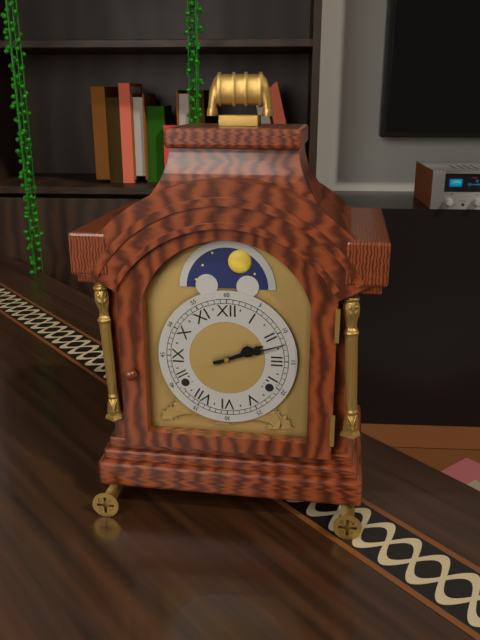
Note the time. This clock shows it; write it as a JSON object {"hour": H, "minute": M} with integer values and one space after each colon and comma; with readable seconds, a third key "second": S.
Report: {"hour": 2, "minute": 12}
